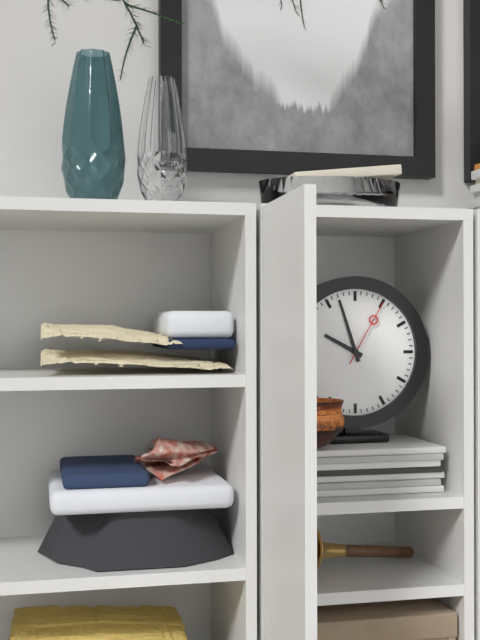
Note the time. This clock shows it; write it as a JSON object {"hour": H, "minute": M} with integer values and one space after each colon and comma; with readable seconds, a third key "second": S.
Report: {"hour": 9, "minute": 57, "second": 5}
